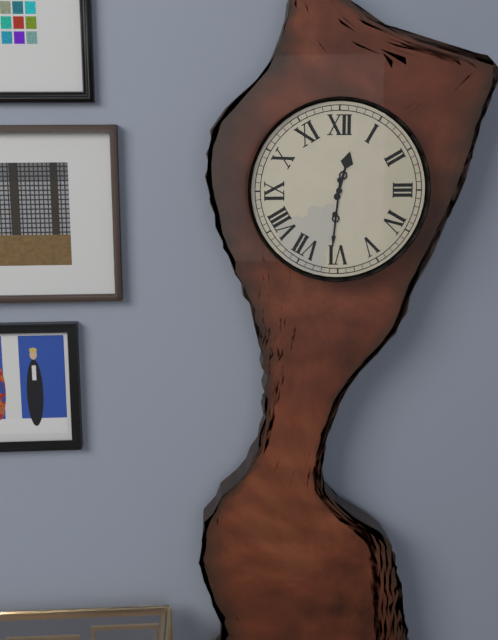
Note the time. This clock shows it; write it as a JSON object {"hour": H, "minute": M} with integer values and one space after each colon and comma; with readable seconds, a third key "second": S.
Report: {"hour": 12, "minute": 31}
